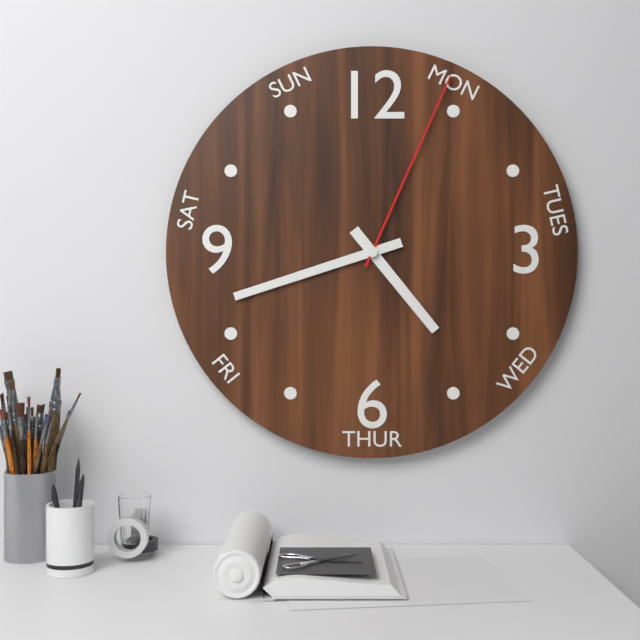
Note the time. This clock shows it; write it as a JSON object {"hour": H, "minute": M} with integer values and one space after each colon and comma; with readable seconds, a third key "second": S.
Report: {"hour": 4, "minute": 42, "second": 4}
